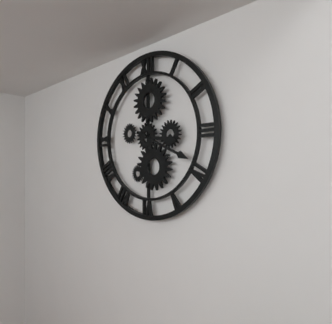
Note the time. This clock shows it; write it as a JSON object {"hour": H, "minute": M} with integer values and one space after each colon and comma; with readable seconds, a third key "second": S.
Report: {"hour": 3, "minute": 19}
